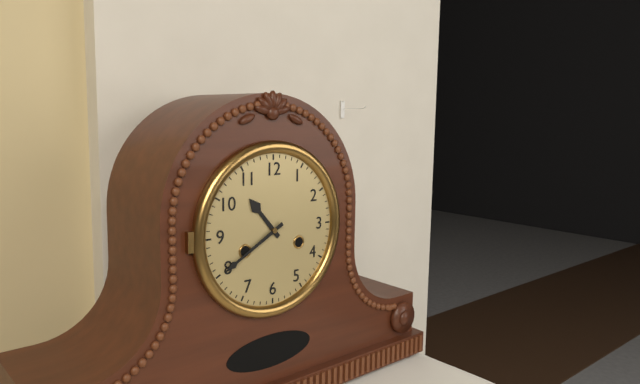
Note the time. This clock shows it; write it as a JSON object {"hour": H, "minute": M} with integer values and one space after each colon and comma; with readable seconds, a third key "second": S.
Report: {"hour": 10, "minute": 40}
